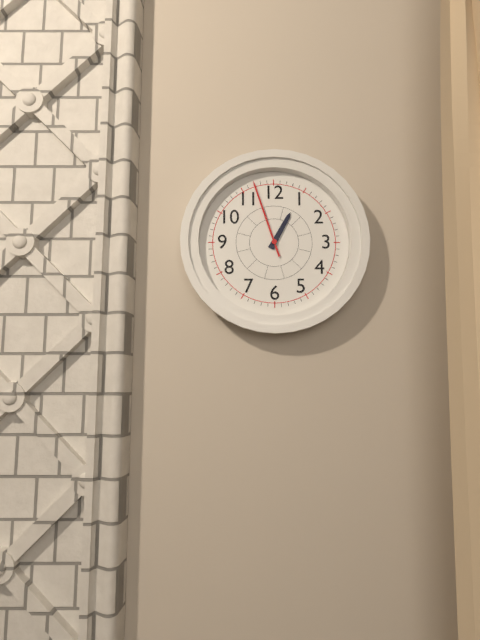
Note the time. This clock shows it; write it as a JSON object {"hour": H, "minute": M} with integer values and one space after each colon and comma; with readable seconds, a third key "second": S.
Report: {"hour": 12, "minute": 57}
